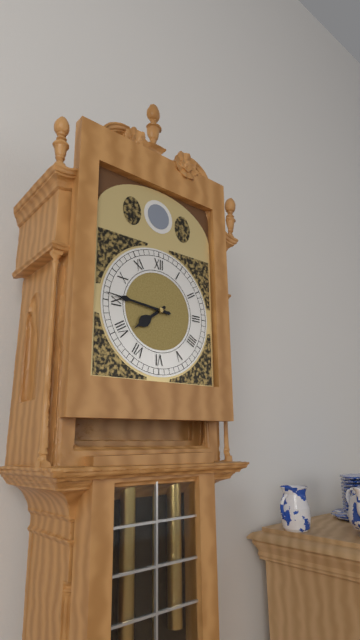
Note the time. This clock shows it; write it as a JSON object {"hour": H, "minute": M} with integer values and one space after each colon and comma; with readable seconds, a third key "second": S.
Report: {"hour": 7, "minute": 46}
